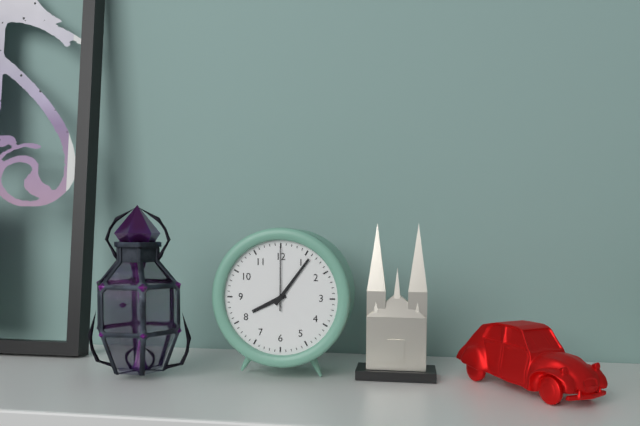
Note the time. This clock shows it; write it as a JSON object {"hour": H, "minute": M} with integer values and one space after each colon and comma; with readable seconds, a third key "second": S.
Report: {"hour": 8, "minute": 6, "second": 0}
